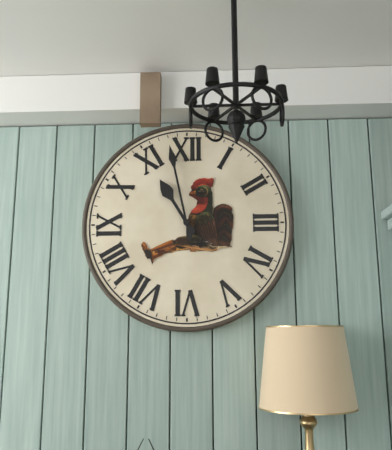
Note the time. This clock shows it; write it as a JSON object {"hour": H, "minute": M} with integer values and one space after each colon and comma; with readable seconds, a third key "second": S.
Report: {"hour": 10, "minute": 58}
